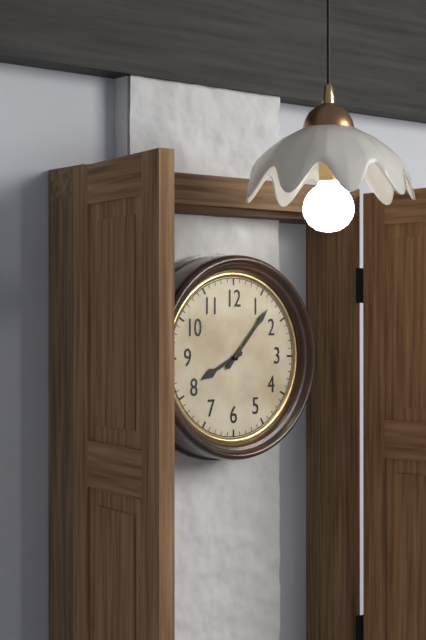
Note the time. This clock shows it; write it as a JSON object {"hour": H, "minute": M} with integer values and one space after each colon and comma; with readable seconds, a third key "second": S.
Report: {"hour": 8, "minute": 7}
